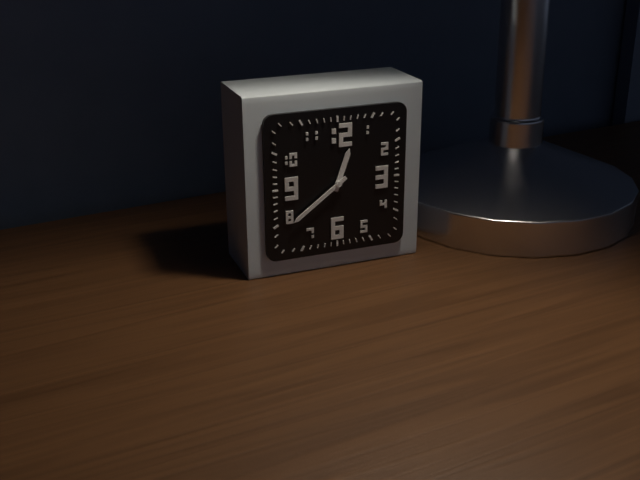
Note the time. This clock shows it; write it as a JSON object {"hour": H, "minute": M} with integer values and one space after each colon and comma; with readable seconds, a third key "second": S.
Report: {"hour": 12, "minute": 39}
